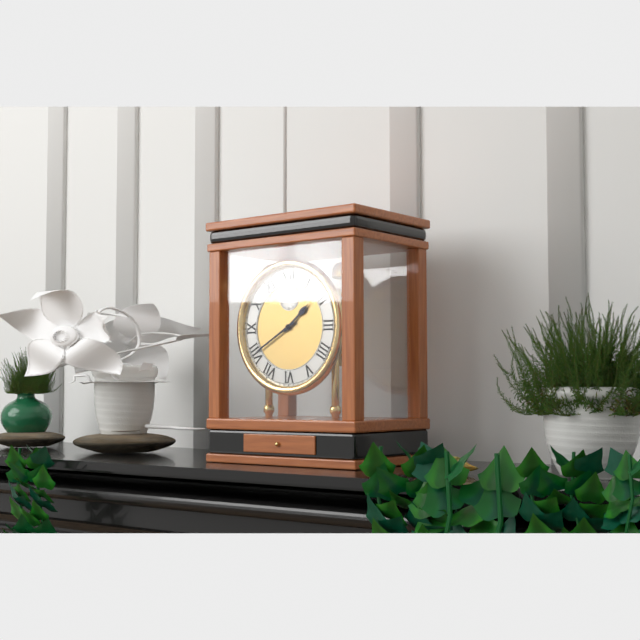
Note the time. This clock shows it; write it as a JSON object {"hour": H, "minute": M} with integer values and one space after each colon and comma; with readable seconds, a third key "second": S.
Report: {"hour": 1, "minute": 40}
